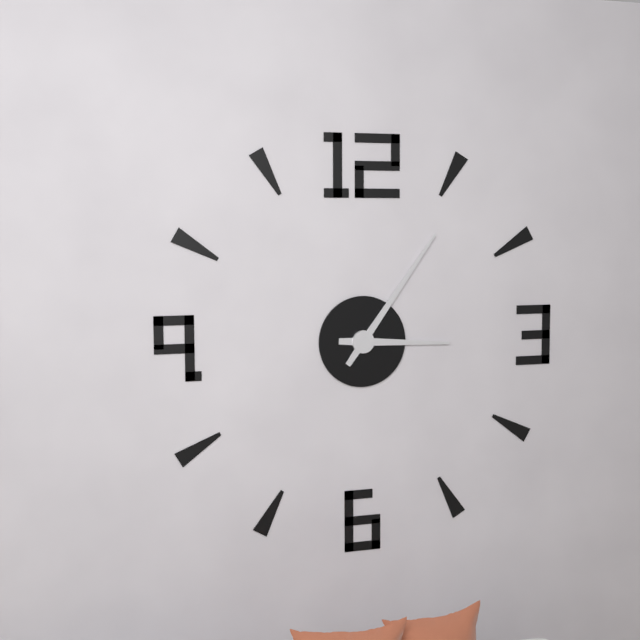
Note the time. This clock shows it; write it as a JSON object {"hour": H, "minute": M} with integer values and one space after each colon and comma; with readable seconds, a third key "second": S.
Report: {"hour": 3, "minute": 6}
